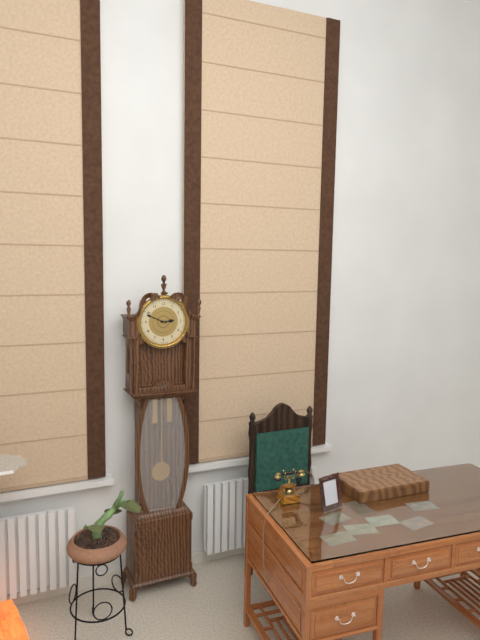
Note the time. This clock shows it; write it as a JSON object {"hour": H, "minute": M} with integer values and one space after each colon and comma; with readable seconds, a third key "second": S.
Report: {"hour": 2, "minute": 49}
